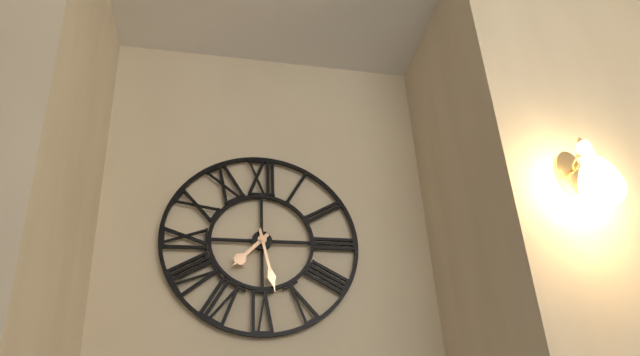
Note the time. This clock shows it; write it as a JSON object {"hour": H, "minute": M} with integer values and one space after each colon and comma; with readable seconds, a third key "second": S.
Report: {"hour": 7, "minute": 28}
